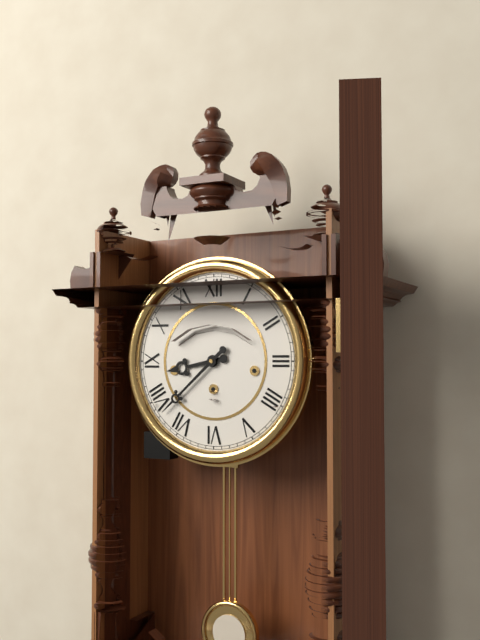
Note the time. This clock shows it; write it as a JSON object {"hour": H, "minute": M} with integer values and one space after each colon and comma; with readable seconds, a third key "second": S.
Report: {"hour": 8, "minute": 38}
